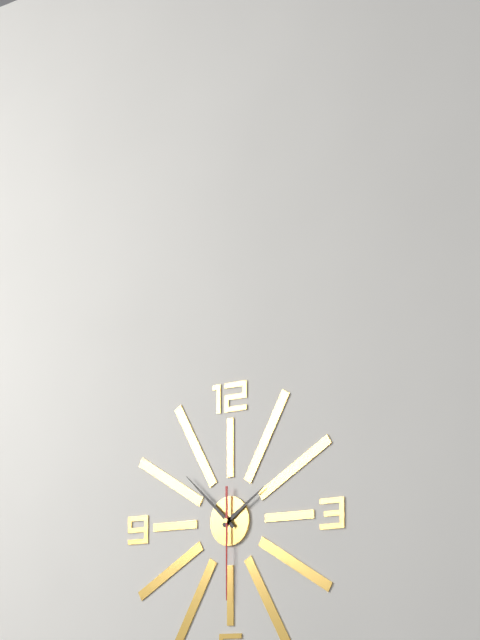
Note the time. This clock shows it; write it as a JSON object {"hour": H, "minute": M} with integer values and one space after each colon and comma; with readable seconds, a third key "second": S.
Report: {"hour": 1, "minute": 52, "second": 30}
